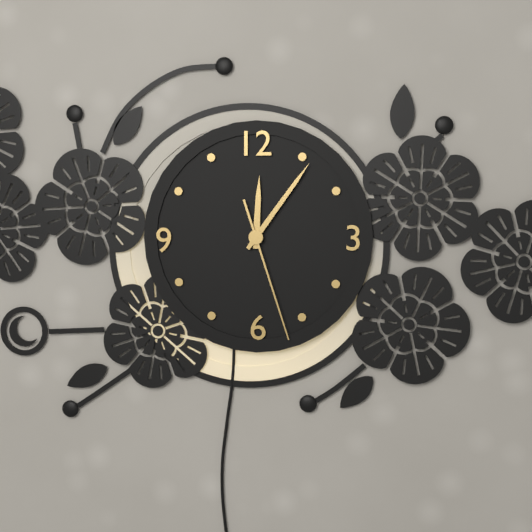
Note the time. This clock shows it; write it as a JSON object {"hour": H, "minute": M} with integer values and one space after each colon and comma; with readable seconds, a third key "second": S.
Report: {"hour": 12, "minute": 6, "second": 27}
